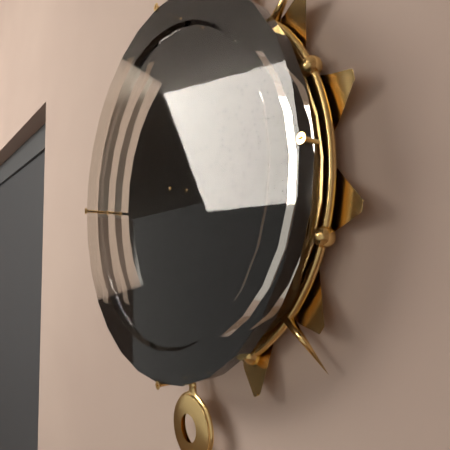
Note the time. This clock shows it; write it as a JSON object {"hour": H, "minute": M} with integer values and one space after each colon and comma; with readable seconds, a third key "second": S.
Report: {"hour": 7, "minute": 18}
